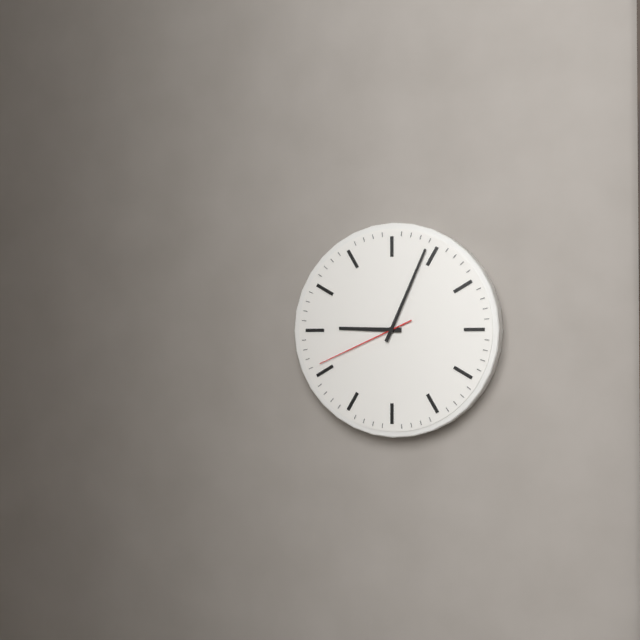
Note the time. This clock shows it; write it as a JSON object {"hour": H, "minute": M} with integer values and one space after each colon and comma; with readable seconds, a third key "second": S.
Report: {"hour": 9, "minute": 4, "second": 41}
